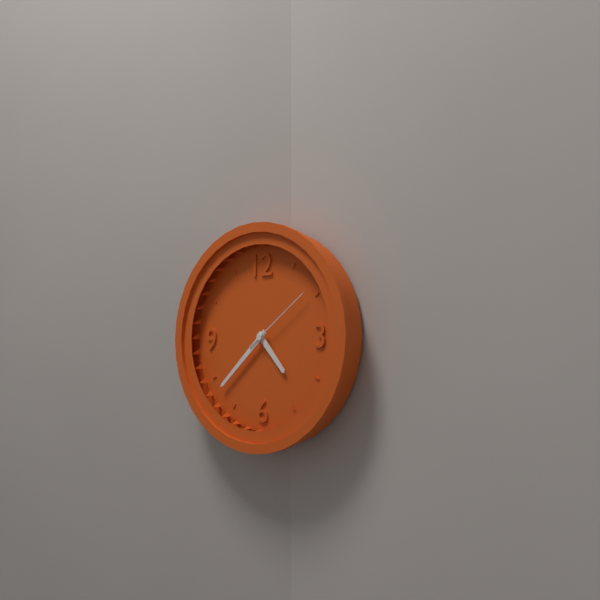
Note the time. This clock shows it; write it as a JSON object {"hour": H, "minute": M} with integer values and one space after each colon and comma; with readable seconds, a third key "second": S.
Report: {"hour": 4, "minute": 38, "second": 9}
